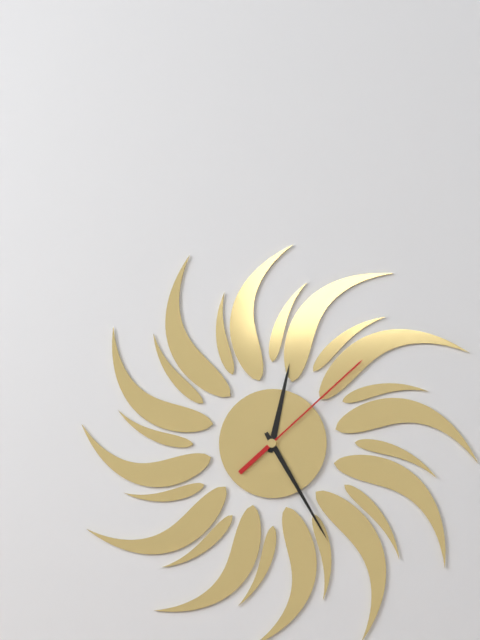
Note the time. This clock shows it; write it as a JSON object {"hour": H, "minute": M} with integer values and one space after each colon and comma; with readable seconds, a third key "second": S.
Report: {"hour": 12, "minute": 25, "second": 8}
